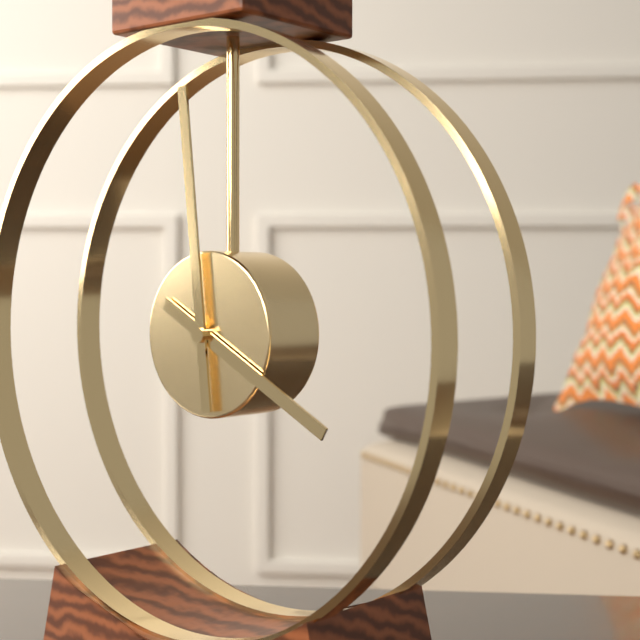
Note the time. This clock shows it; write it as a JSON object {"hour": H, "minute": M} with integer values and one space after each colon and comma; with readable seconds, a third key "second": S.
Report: {"hour": 3, "minute": 59}
